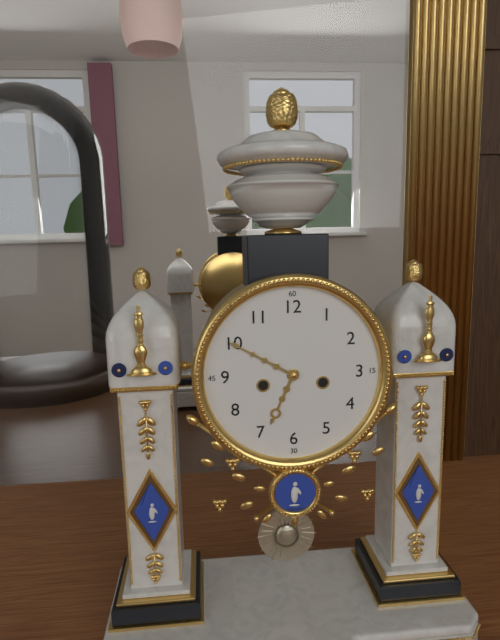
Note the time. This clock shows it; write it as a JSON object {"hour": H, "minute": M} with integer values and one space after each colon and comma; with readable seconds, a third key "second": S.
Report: {"hour": 6, "minute": 50}
